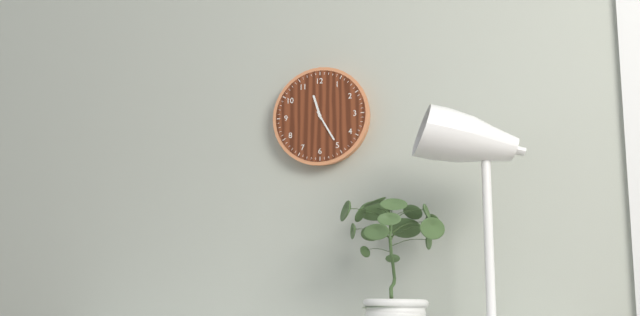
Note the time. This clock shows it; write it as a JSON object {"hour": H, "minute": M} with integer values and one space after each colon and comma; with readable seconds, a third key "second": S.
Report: {"hour": 11, "minute": 25}
